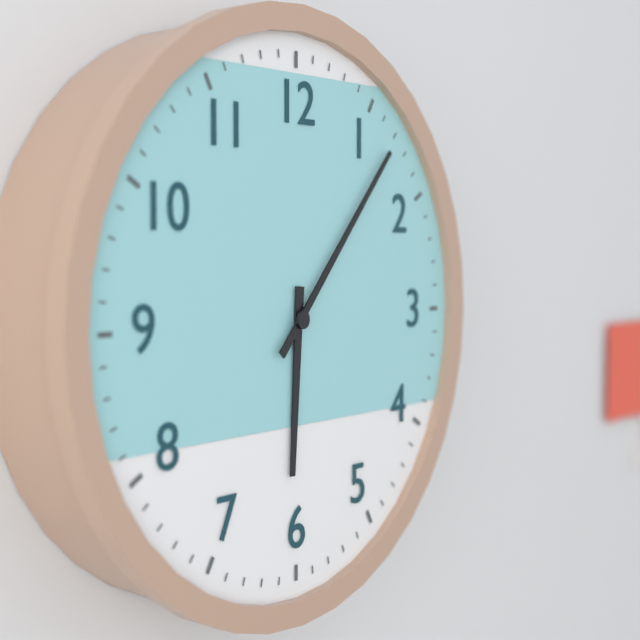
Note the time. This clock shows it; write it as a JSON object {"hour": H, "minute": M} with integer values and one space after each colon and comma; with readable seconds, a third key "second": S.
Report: {"hour": 6, "minute": 7}
